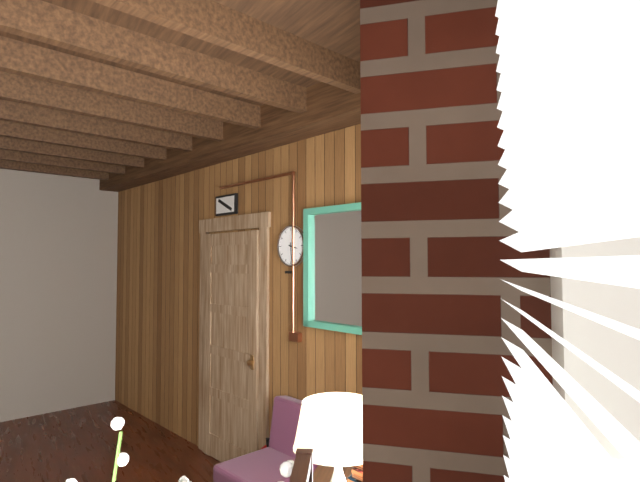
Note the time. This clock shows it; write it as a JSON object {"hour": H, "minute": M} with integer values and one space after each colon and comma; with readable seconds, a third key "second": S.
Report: {"hour": 3, "minute": 29}
